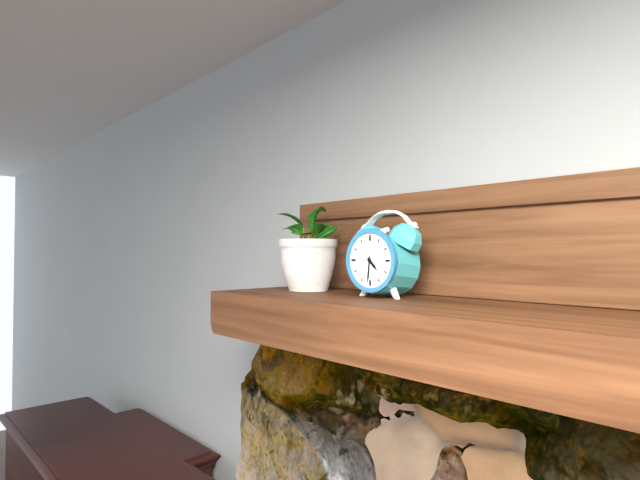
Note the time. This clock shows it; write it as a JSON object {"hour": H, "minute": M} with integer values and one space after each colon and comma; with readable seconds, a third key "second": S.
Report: {"hour": 4, "minute": 31}
